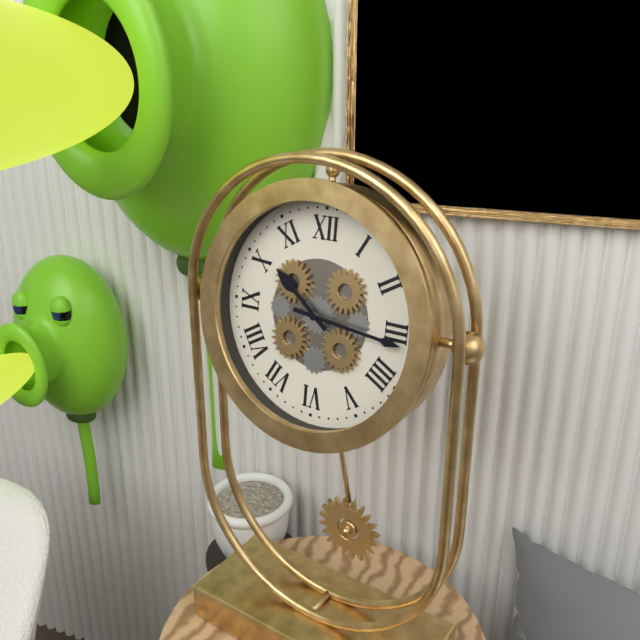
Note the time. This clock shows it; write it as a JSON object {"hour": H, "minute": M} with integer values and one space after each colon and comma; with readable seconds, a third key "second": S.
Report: {"hour": 10, "minute": 16}
